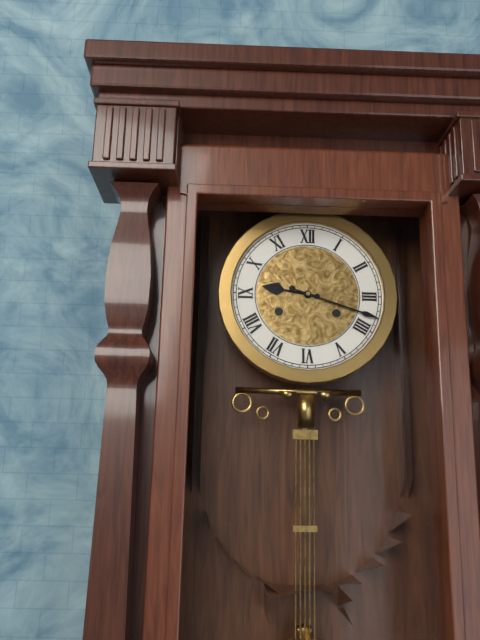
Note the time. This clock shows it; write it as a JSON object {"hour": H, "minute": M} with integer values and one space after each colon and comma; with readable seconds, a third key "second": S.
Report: {"hour": 9, "minute": 18}
